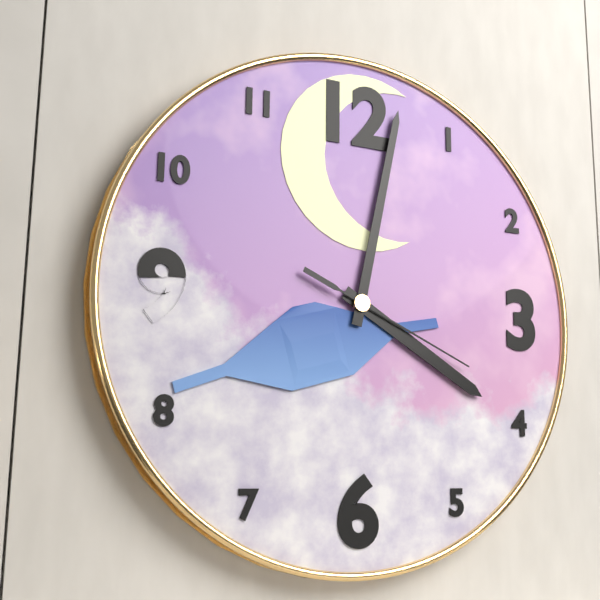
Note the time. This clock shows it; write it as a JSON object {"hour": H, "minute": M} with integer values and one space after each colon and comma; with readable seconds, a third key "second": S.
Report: {"hour": 4, "minute": 2, "second": 19}
